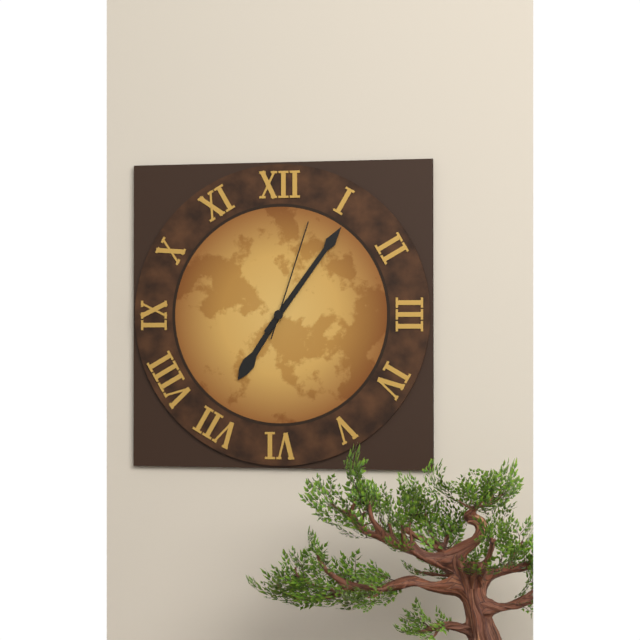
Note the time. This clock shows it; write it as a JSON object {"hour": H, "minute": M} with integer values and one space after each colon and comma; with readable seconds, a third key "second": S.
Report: {"hour": 7, "minute": 6, "second": 3}
